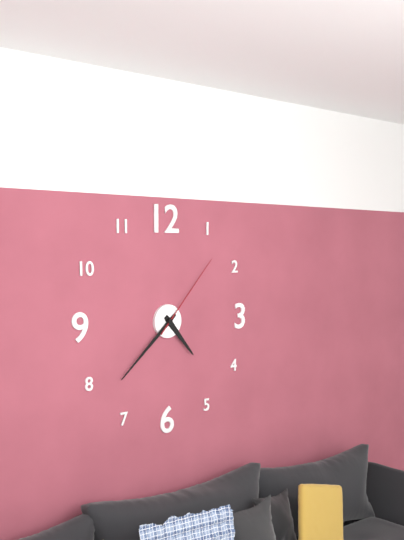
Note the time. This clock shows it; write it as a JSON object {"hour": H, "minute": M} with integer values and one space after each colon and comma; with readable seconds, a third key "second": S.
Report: {"hour": 4, "minute": 38, "second": 7}
